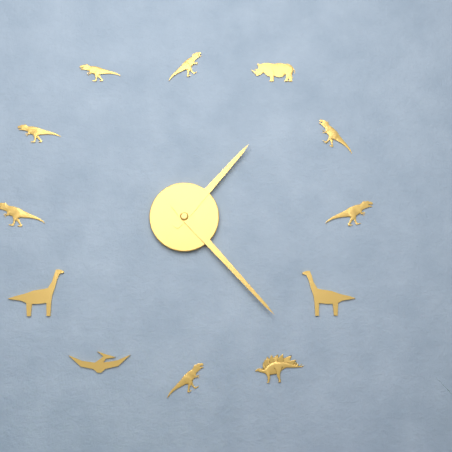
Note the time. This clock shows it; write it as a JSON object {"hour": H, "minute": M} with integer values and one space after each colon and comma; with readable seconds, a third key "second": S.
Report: {"hour": 1, "minute": 23}
